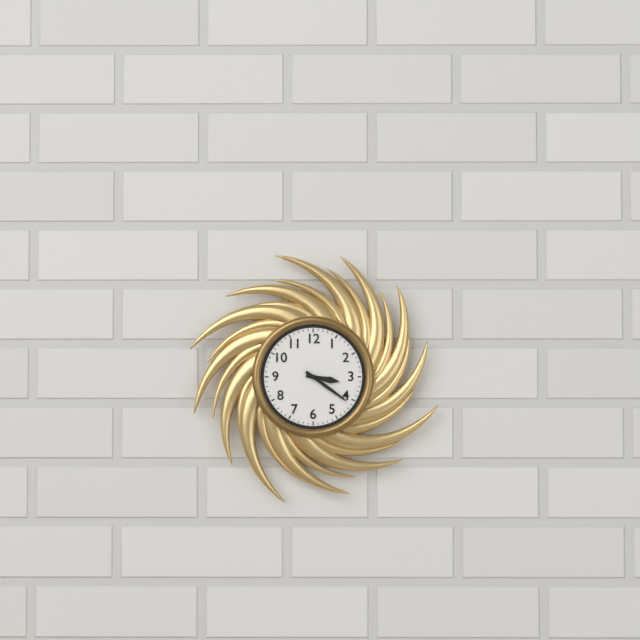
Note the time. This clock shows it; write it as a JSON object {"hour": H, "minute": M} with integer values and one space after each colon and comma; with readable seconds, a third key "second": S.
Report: {"hour": 3, "minute": 21}
